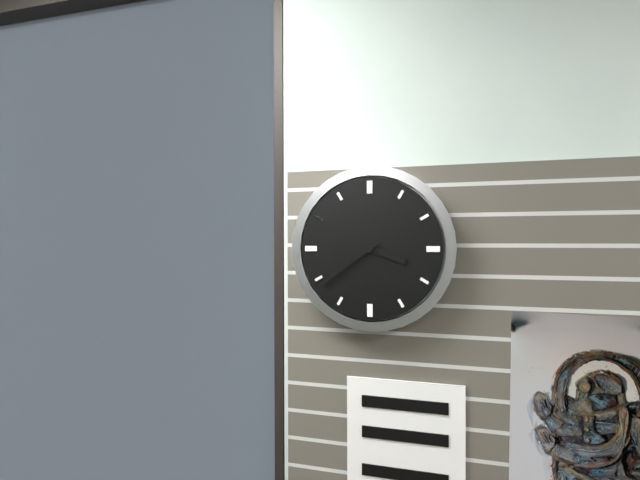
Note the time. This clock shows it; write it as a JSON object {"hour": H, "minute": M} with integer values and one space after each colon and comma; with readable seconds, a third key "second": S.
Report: {"hour": 3, "minute": 39}
